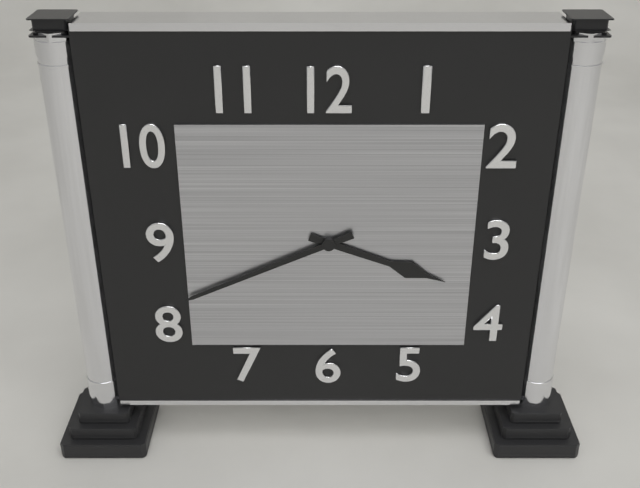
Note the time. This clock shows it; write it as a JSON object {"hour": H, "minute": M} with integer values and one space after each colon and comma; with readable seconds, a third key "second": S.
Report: {"hour": 3, "minute": 41}
